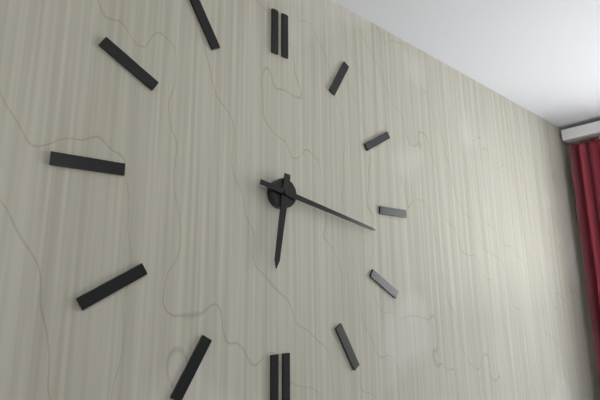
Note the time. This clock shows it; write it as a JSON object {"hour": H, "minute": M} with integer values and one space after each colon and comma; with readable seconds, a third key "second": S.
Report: {"hour": 6, "minute": 17}
